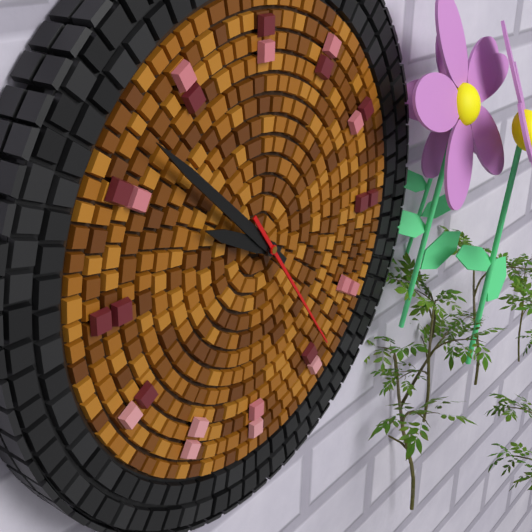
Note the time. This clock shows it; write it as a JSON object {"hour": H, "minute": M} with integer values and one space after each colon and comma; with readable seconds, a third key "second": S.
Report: {"hour": 9, "minute": 52, "second": 24}
